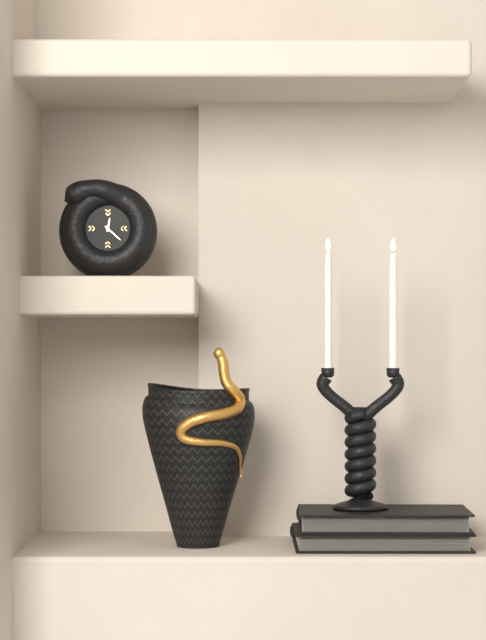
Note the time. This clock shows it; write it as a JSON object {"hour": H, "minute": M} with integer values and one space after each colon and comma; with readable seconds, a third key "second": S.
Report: {"hour": 12, "minute": 22}
